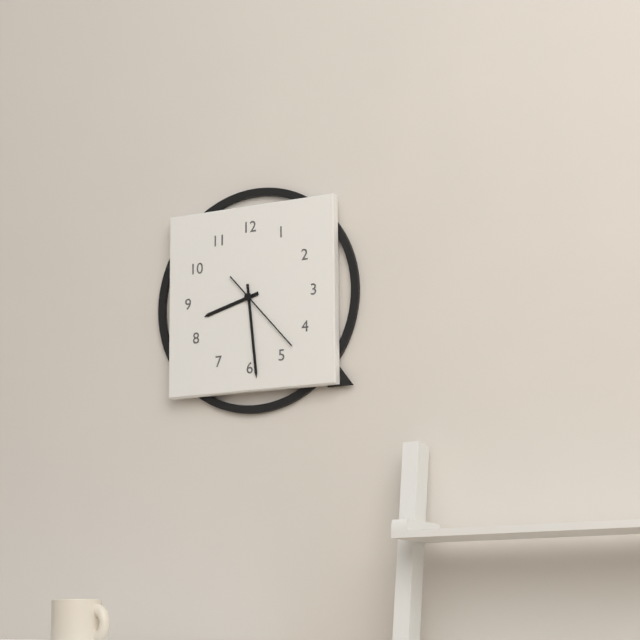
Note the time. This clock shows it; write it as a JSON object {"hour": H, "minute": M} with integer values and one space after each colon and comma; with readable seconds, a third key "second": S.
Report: {"hour": 8, "minute": 29, "second": 23}
